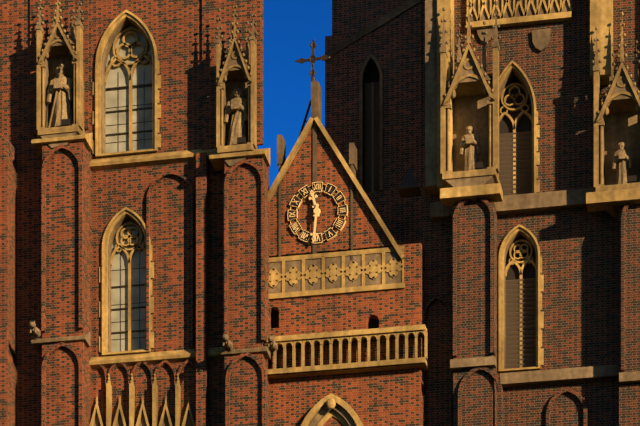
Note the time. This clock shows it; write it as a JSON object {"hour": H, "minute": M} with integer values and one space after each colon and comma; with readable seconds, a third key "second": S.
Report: {"hour": 11, "minute": 31}
